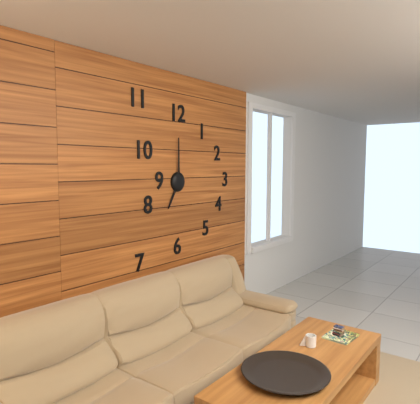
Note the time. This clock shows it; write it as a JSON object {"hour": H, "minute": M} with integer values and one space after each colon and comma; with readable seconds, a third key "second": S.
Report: {"hour": 7, "minute": 0}
